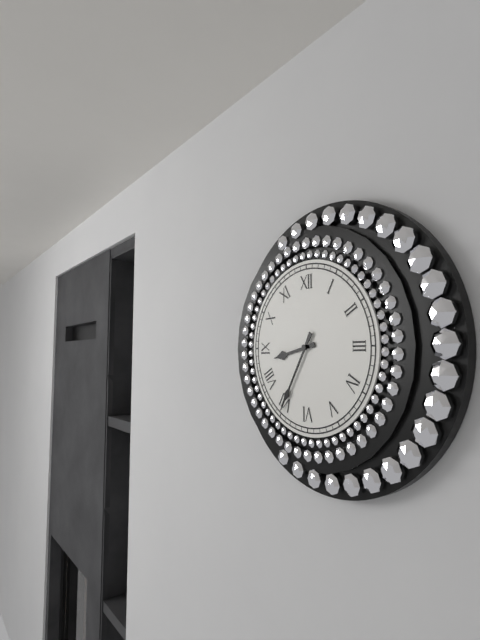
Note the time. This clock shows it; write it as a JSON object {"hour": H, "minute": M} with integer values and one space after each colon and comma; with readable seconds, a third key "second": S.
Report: {"hour": 8, "minute": 35}
